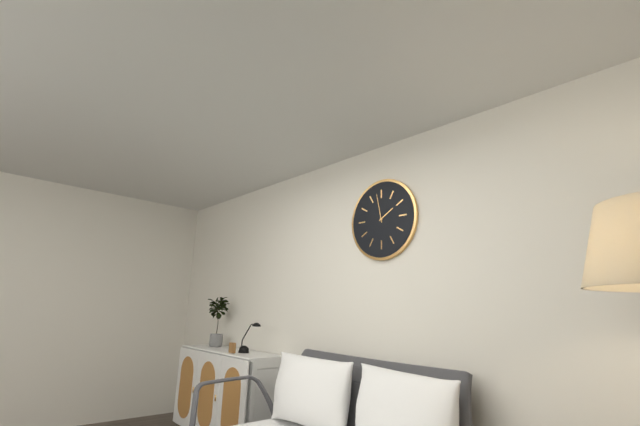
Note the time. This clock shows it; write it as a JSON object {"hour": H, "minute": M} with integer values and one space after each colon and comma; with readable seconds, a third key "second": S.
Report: {"hour": 1, "minute": 58}
